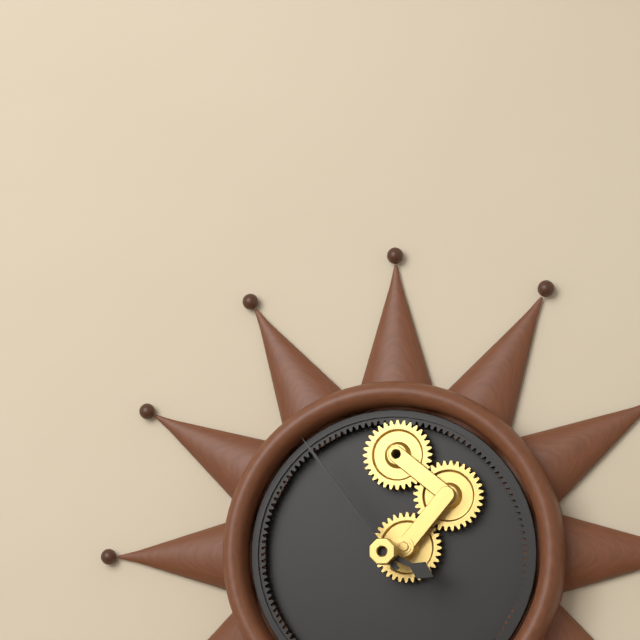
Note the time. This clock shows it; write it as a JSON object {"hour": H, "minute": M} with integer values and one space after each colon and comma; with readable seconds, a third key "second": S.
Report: {"hour": 3, "minute": 54}
